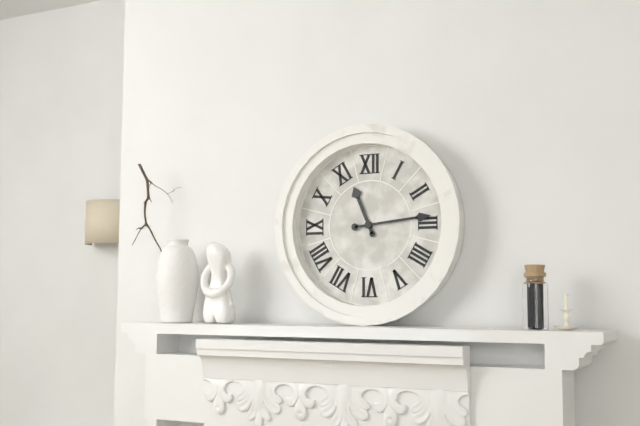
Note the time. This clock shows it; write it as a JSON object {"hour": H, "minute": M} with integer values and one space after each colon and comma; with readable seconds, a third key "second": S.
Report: {"hour": 11, "minute": 14}
